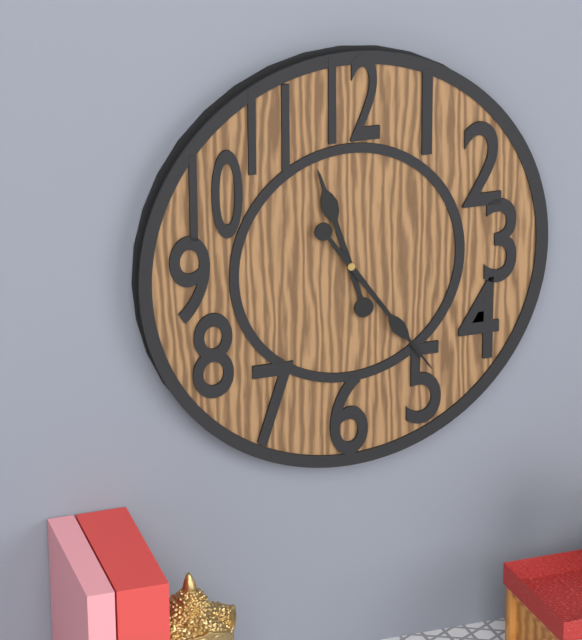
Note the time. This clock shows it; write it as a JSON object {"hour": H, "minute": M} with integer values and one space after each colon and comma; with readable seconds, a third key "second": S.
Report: {"hour": 11, "minute": 24}
